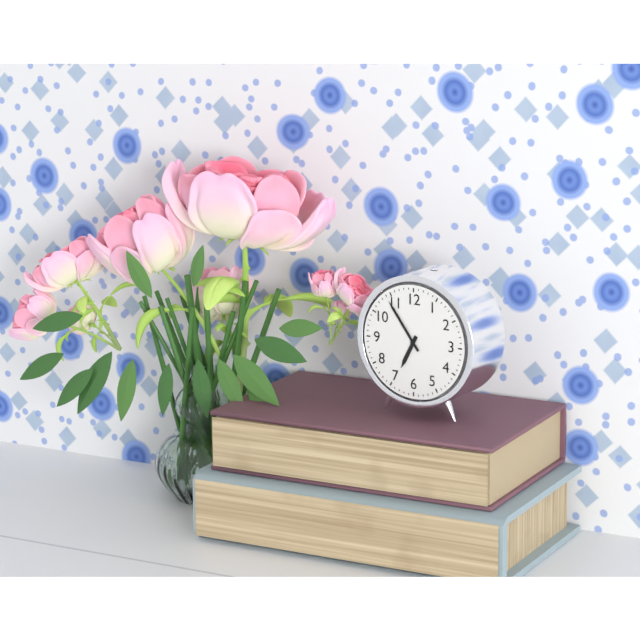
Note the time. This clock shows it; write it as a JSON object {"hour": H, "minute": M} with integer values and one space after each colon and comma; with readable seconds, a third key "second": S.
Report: {"hour": 6, "minute": 54}
